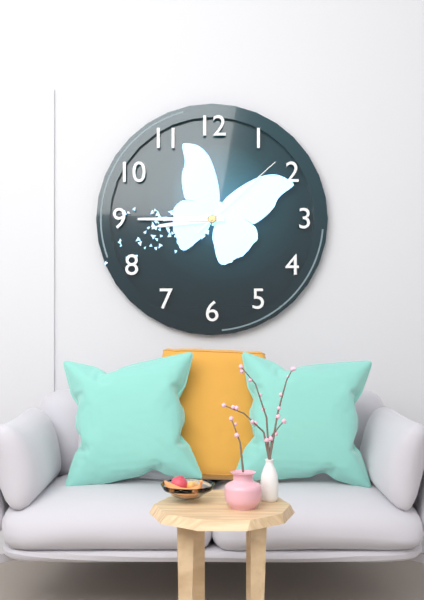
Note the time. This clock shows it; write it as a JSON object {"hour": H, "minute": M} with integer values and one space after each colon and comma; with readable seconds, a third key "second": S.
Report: {"hour": 8, "minute": 45, "second": 8}
